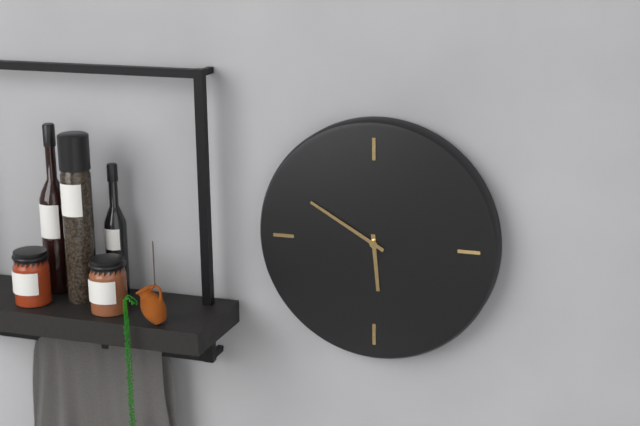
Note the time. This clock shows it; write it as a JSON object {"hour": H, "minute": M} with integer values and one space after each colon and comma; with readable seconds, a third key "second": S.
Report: {"hour": 5, "minute": 50}
